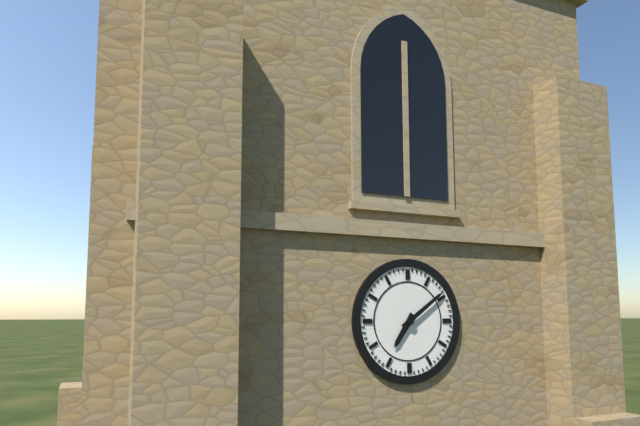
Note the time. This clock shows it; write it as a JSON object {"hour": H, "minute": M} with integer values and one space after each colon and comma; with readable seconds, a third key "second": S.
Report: {"hour": 7, "minute": 9}
